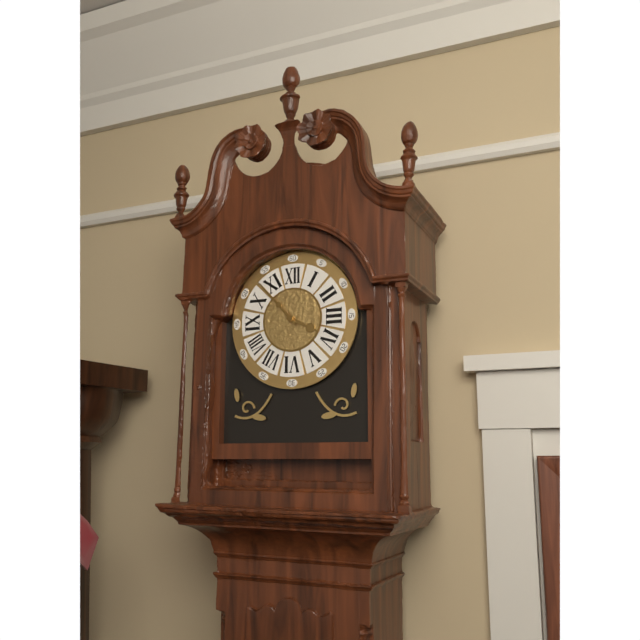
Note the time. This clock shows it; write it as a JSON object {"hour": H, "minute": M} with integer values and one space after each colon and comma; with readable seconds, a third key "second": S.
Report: {"hour": 3, "minute": 53}
